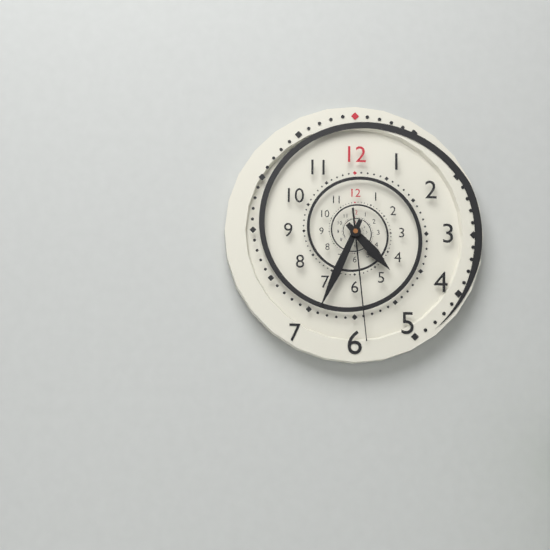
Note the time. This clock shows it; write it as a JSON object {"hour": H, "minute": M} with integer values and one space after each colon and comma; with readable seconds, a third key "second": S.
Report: {"hour": 4, "minute": 34, "second": 29}
